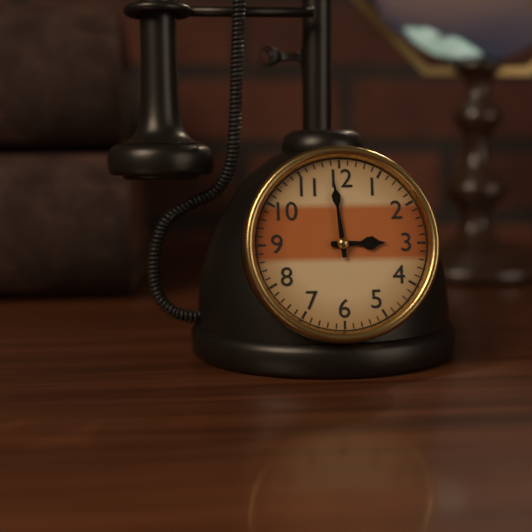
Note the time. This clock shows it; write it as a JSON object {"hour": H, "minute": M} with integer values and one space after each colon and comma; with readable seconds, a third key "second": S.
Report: {"hour": 2, "minute": 59}
